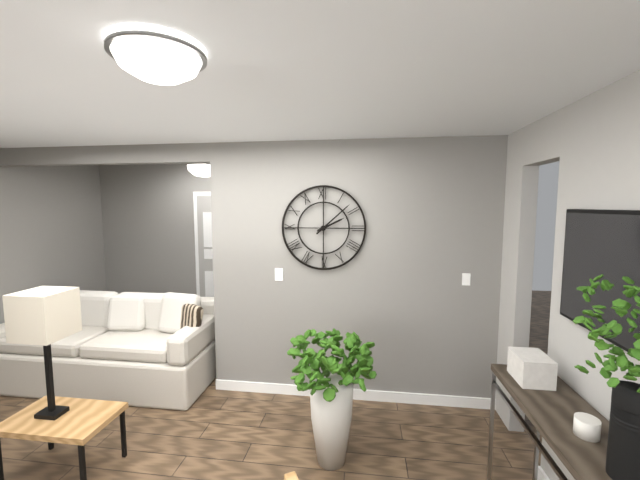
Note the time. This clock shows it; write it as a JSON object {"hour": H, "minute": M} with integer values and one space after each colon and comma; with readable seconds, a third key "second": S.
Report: {"hour": 2, "minute": 8}
